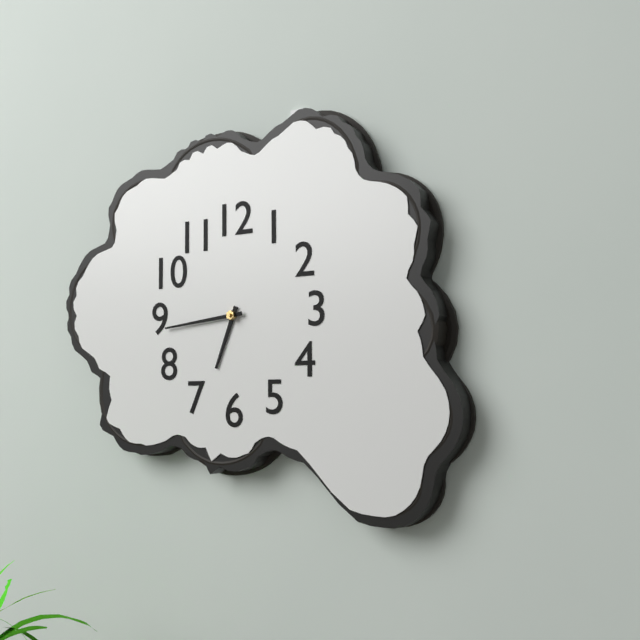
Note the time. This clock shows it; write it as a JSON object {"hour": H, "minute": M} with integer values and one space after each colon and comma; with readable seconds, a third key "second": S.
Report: {"hour": 6, "minute": 44}
